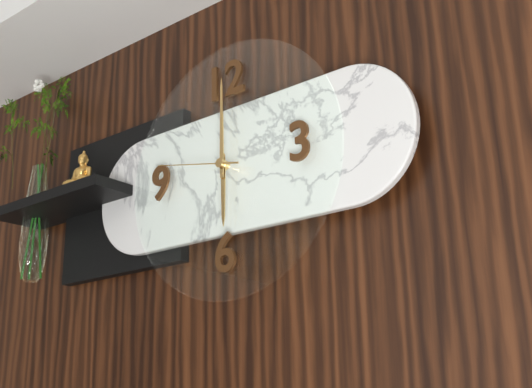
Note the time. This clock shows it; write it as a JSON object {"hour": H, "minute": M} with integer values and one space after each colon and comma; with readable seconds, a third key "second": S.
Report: {"hour": 6, "minute": 0, "second": 47}
